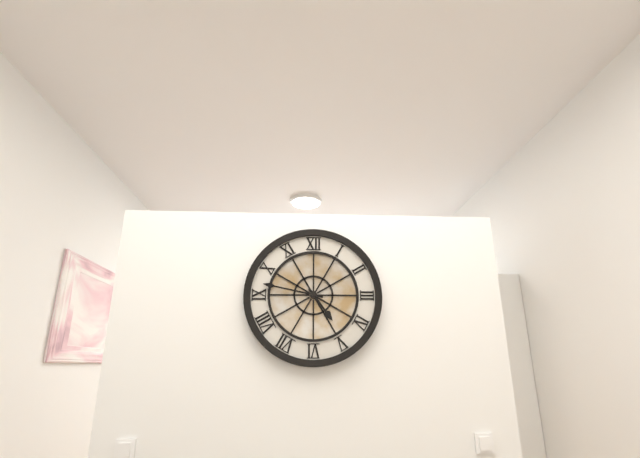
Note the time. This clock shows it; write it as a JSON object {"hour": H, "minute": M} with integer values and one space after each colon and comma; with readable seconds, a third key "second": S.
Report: {"hour": 4, "minute": 47}
